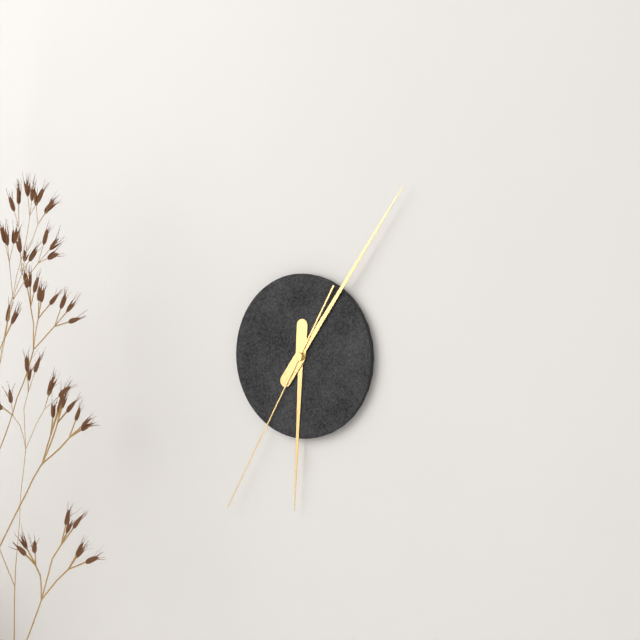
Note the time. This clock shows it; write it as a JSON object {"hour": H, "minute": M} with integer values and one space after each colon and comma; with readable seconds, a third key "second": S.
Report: {"hour": 6, "minute": 6, "second": 35}
